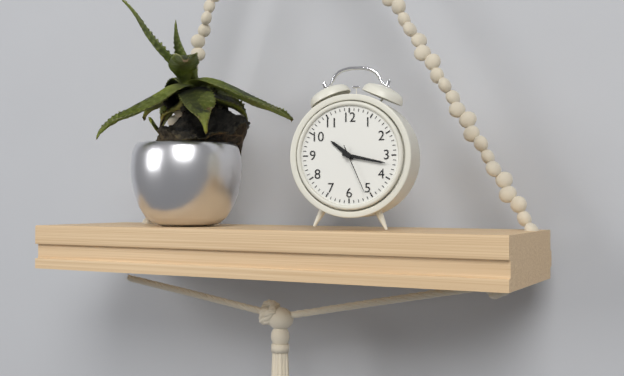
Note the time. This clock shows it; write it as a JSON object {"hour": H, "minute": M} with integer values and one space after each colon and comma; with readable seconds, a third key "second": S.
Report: {"hour": 10, "minute": 17, "second": 26}
